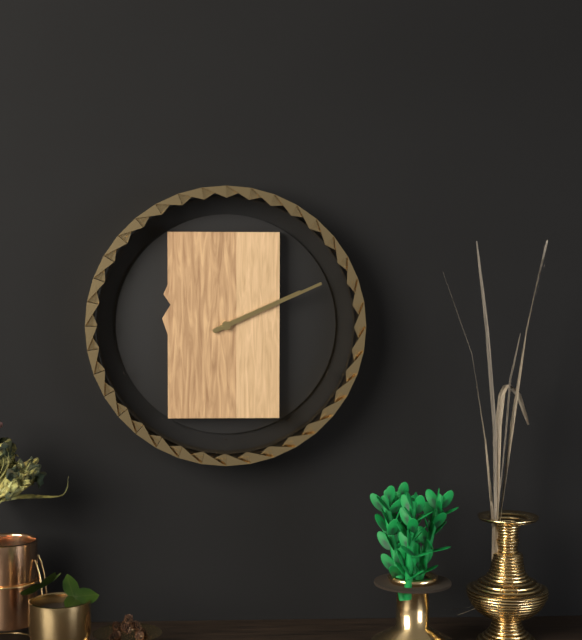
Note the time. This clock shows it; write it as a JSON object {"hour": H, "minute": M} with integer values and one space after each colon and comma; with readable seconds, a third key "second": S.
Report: {"hour": 2, "minute": 11}
